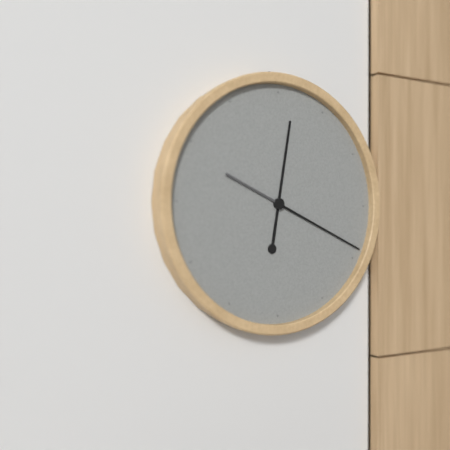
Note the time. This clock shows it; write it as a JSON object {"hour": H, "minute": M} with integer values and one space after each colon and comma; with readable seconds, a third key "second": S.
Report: {"hour": 12, "minute": 19}
